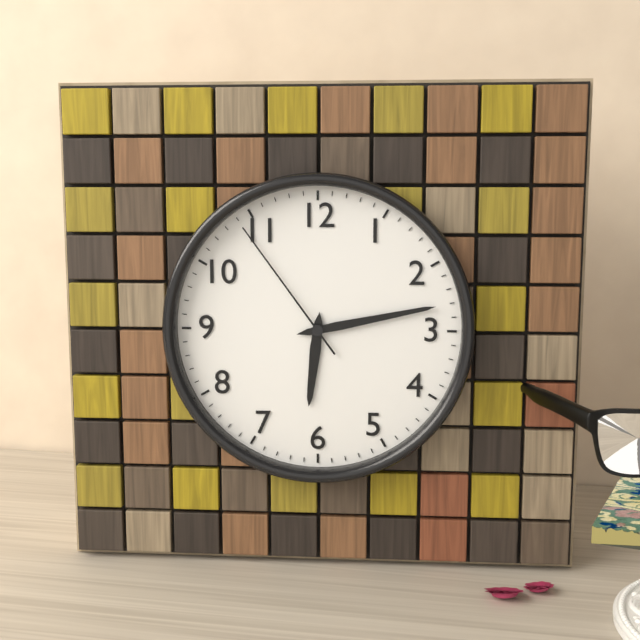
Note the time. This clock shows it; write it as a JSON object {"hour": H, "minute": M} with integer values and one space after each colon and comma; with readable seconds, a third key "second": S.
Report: {"hour": 6, "minute": 13, "second": 54}
